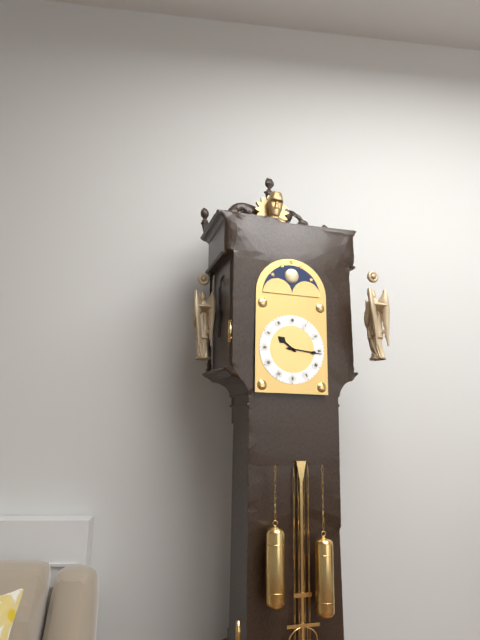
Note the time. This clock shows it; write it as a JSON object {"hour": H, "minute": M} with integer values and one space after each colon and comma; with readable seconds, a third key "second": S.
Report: {"hour": 10, "minute": 16}
